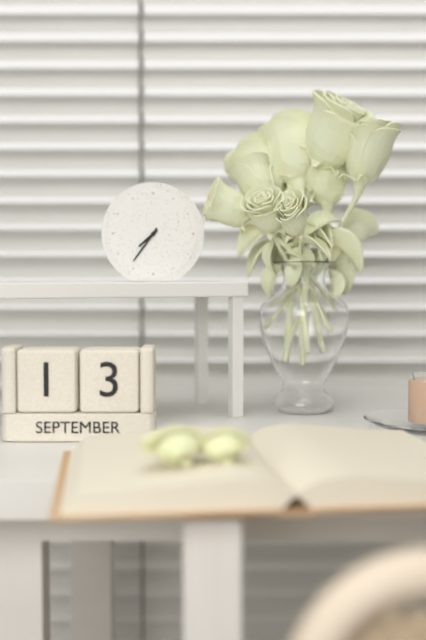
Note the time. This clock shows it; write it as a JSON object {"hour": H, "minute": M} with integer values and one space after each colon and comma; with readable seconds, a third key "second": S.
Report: {"hour": 7, "minute": 36}
